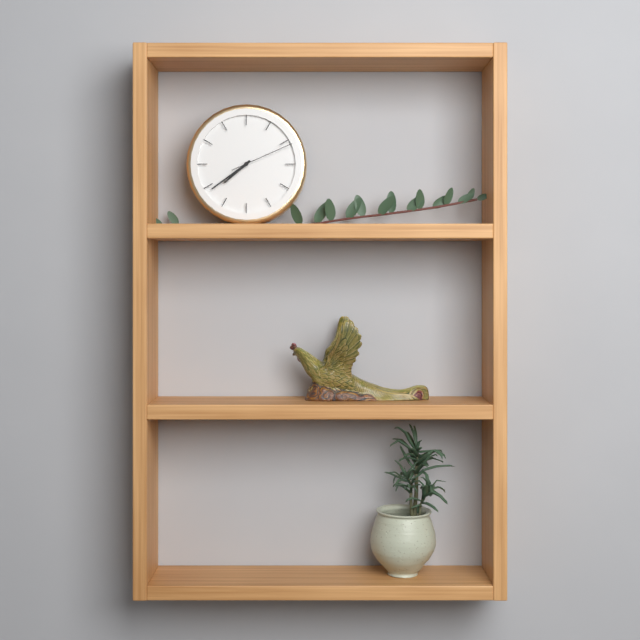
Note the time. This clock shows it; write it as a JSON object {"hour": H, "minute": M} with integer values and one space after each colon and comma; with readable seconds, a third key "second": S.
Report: {"hour": 7, "minute": 39, "second": 11}
